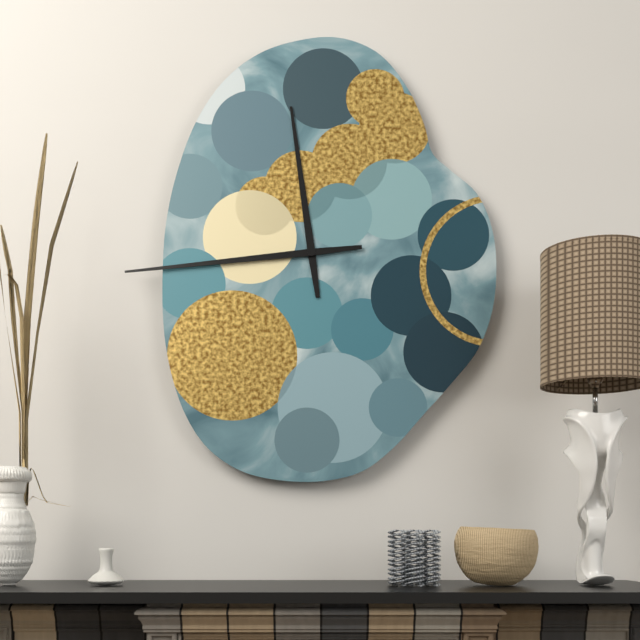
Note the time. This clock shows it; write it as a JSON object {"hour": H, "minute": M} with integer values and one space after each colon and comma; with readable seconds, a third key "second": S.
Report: {"hour": 11, "minute": 44}
